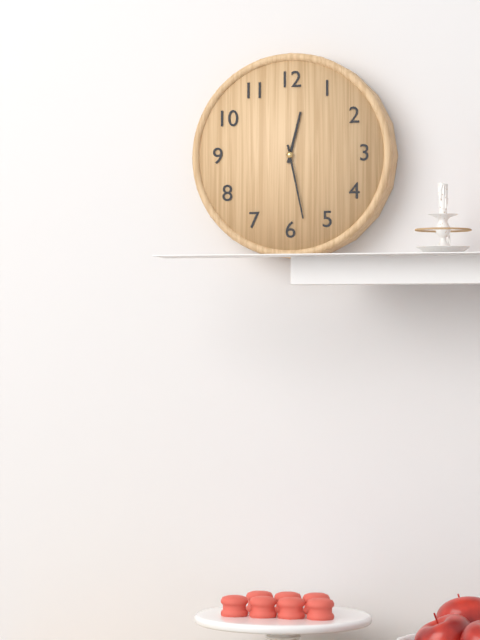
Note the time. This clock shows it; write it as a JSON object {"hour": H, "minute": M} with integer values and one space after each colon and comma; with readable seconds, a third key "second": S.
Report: {"hour": 12, "minute": 28}
